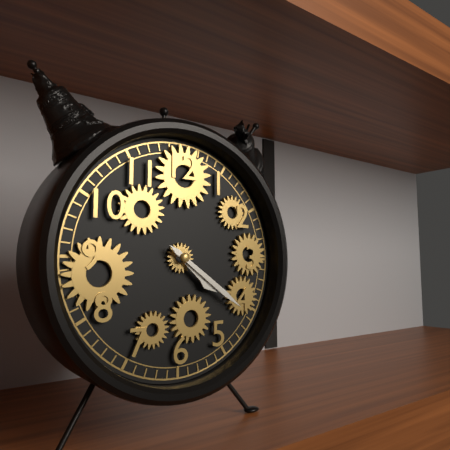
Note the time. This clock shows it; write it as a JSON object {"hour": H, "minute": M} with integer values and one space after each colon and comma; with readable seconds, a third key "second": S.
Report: {"hour": 4, "minute": 21}
